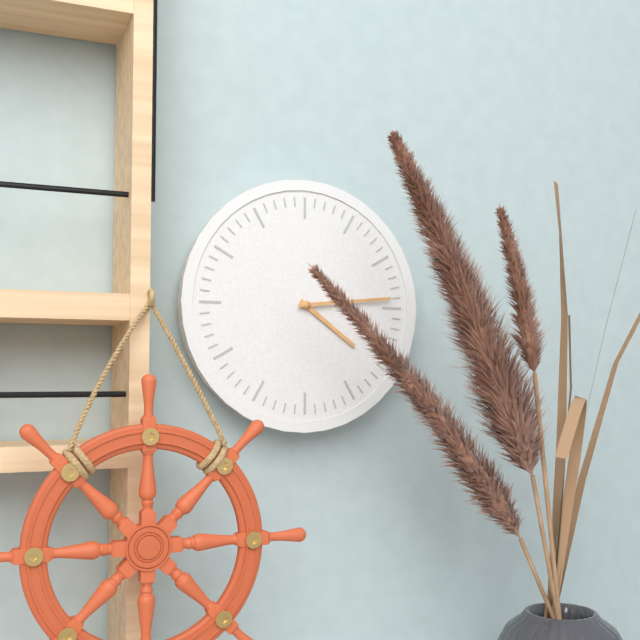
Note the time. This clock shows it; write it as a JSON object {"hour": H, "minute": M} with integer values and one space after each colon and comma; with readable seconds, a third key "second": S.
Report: {"hour": 4, "minute": 14}
